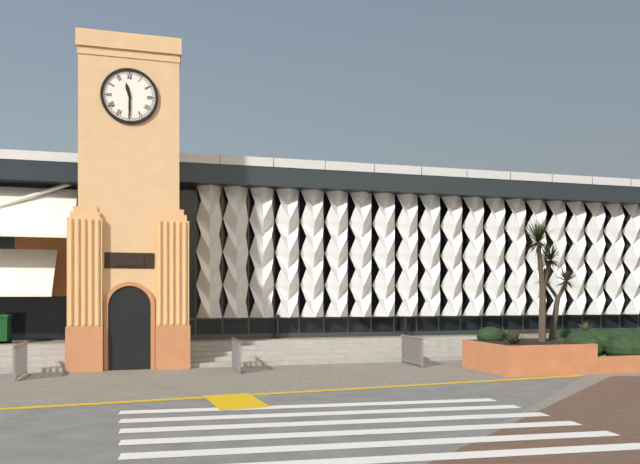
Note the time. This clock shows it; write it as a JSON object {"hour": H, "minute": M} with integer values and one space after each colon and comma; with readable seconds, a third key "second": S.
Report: {"hour": 11, "minute": 30}
